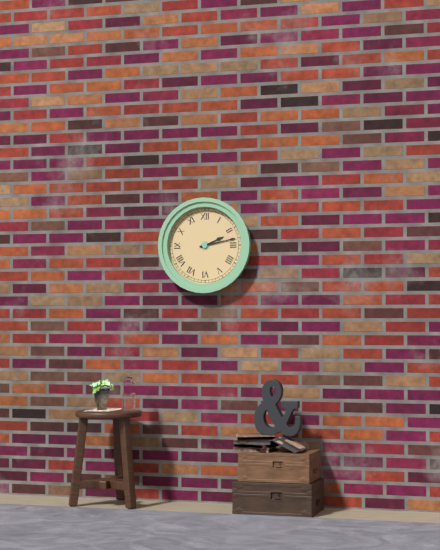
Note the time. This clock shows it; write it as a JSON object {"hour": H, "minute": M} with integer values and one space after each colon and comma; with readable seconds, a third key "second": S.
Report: {"hour": 2, "minute": 13}
